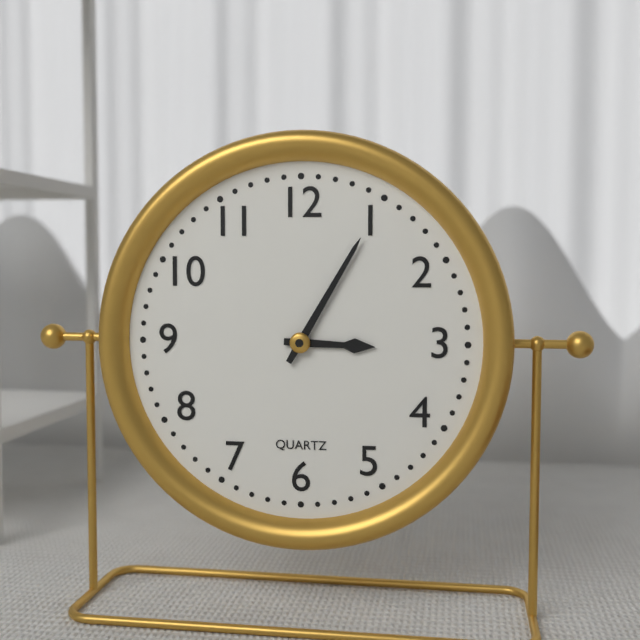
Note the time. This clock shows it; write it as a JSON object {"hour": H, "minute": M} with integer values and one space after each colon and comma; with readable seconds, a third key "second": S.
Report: {"hour": 3, "minute": 5}
